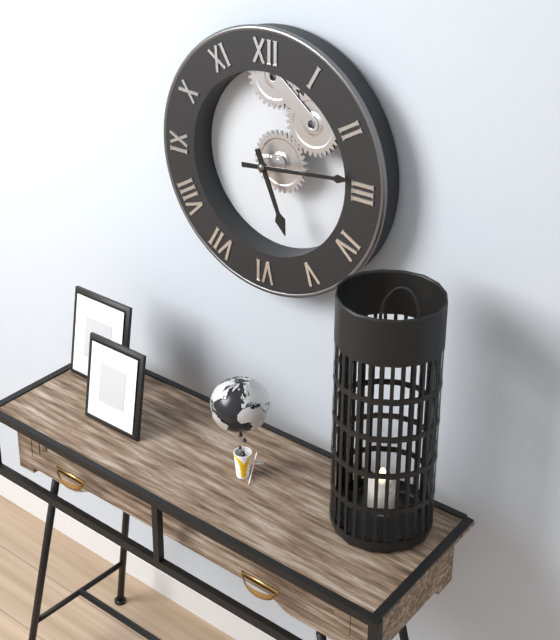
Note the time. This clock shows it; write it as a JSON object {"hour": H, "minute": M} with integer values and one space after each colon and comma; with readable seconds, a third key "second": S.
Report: {"hour": 5, "minute": 14}
